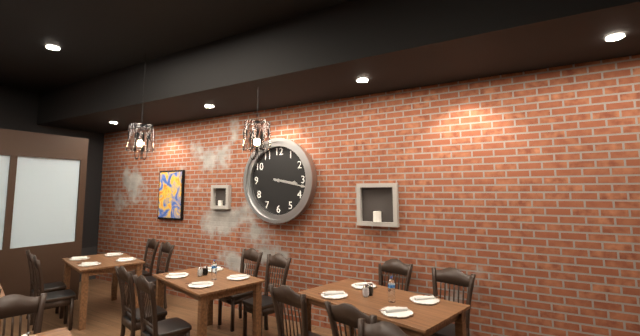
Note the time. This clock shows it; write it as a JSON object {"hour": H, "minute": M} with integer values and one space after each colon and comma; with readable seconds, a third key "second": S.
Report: {"hour": 3, "minute": 17}
